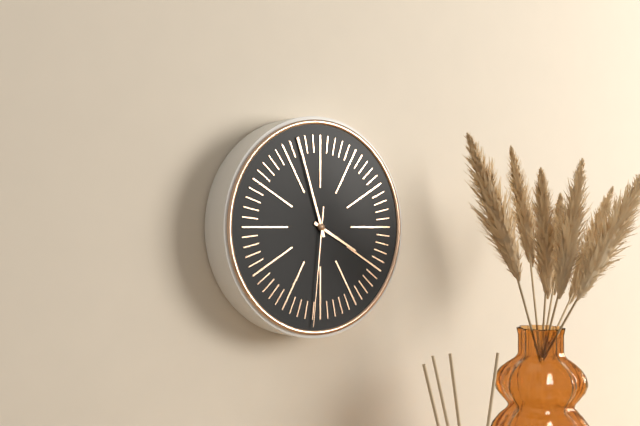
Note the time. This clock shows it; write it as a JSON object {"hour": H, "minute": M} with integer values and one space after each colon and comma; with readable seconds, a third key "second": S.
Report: {"hour": 3, "minute": 57, "second": 31}
